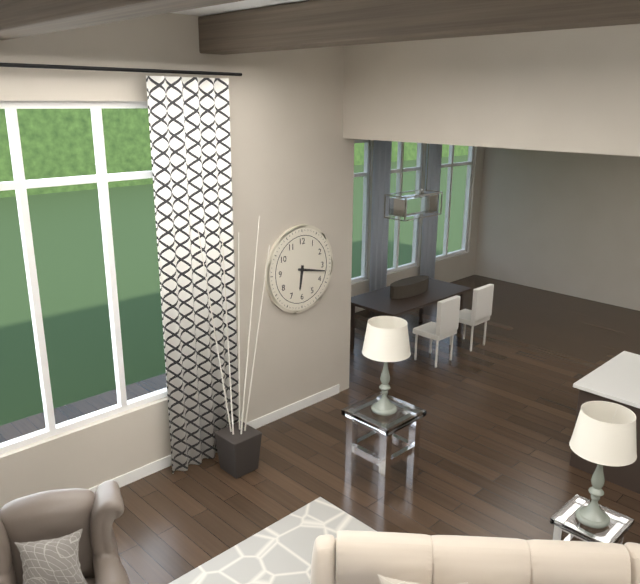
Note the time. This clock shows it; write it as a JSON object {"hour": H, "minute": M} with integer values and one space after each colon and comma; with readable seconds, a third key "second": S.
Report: {"hour": 6, "minute": 17}
